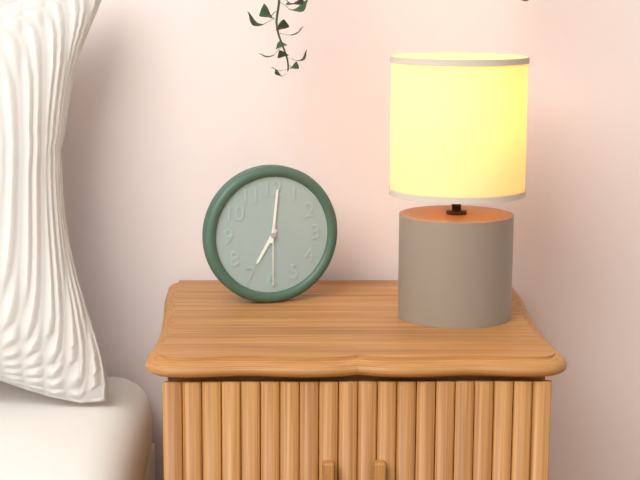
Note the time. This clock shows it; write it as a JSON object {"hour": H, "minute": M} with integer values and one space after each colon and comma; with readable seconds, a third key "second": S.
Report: {"hour": 7, "minute": 1, "second": 30}
